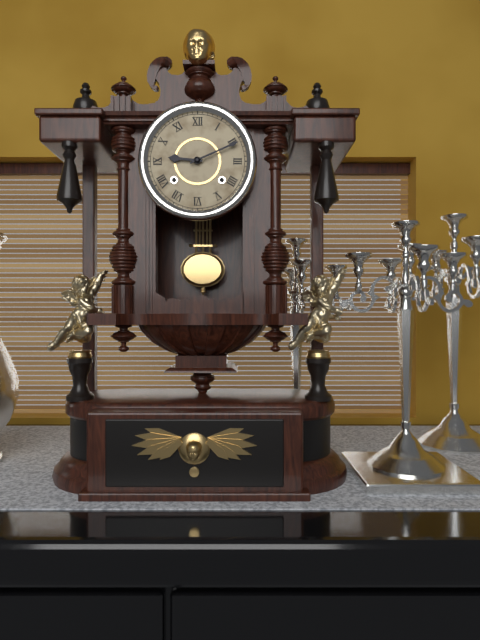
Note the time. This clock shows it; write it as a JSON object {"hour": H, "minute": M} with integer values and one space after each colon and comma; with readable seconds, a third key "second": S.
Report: {"hour": 9, "minute": 11}
